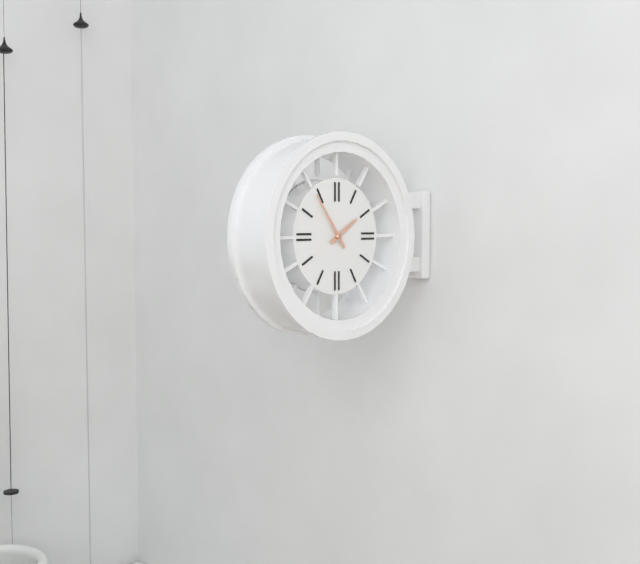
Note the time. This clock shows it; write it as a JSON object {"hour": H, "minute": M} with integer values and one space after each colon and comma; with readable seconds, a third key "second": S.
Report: {"hour": 1, "minute": 54}
